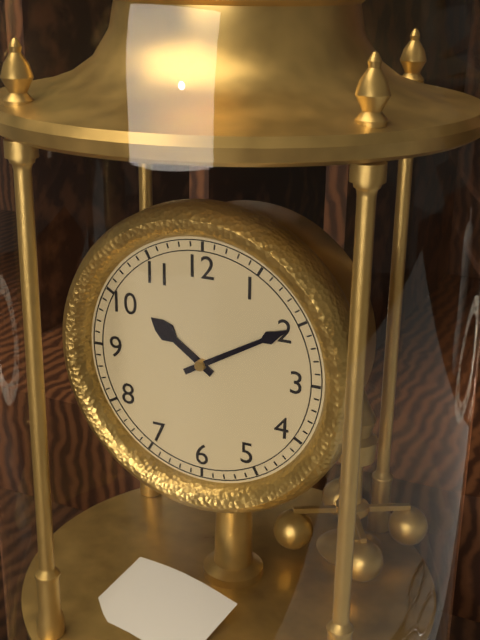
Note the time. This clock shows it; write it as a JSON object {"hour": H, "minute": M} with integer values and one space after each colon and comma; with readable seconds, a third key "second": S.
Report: {"hour": 10, "minute": 10}
